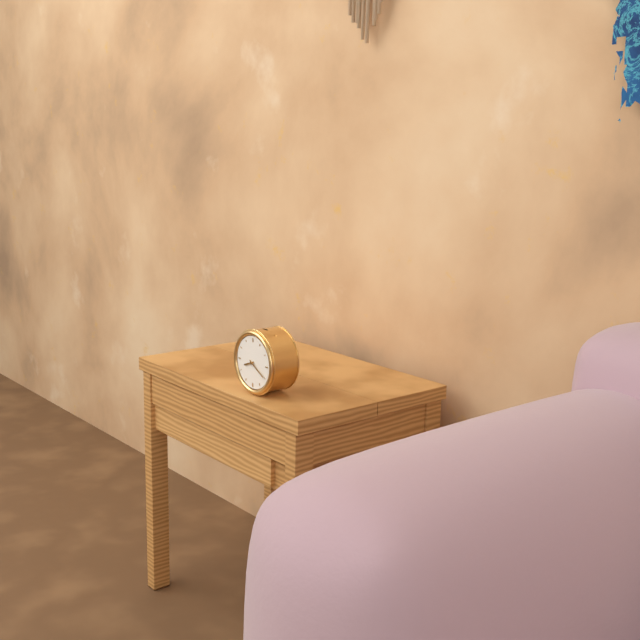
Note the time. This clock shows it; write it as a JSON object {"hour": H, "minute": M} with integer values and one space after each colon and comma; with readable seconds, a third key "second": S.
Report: {"hour": 8, "minute": 20}
